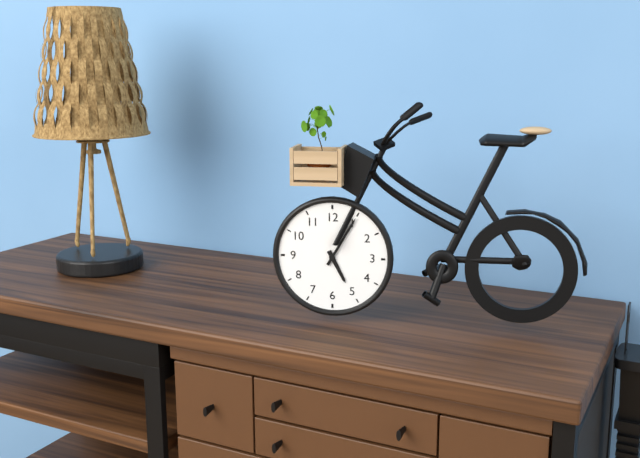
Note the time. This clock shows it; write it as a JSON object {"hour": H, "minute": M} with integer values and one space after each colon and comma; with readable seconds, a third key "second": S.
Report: {"hour": 5, "minute": 5}
